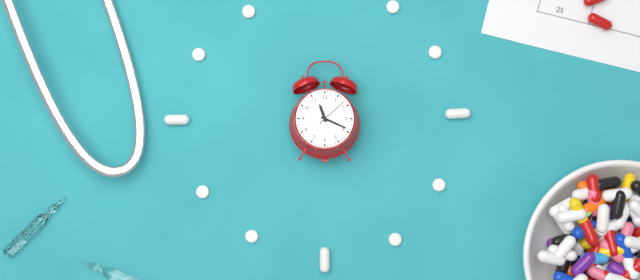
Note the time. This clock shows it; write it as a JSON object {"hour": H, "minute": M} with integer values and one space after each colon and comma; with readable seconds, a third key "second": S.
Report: {"hour": 11, "minute": 19}
